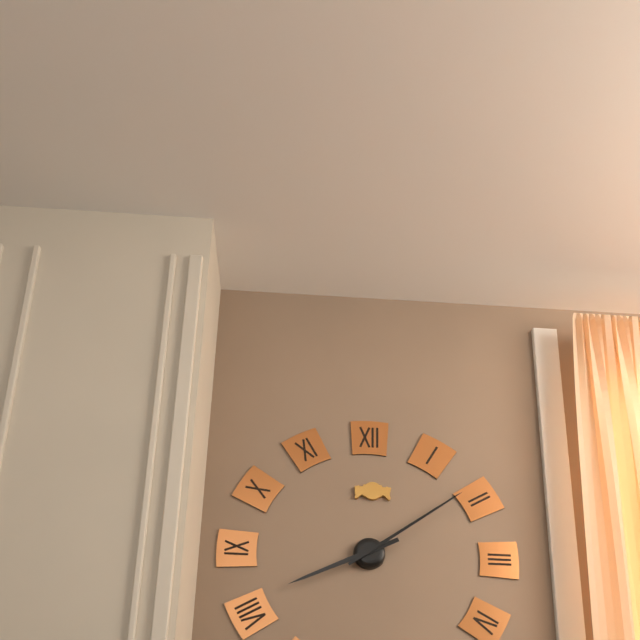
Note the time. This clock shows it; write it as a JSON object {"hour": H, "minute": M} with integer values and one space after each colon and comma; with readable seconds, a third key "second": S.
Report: {"hour": 8, "minute": 9}
